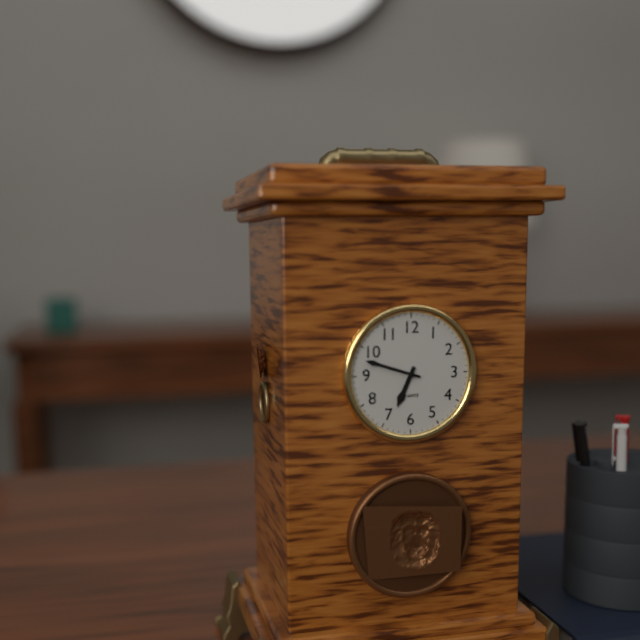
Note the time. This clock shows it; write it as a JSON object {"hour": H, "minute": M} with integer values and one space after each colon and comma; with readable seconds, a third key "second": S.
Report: {"hour": 6, "minute": 48}
